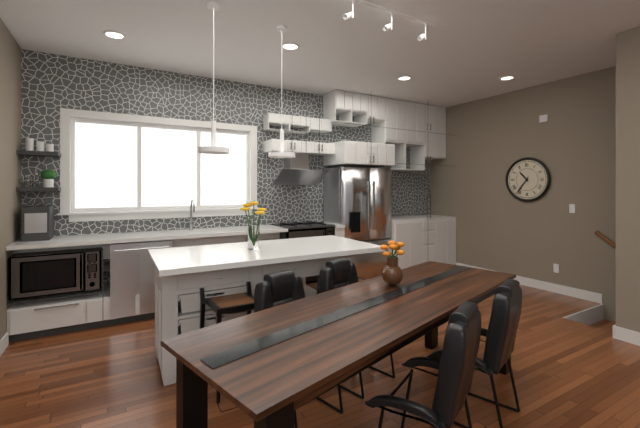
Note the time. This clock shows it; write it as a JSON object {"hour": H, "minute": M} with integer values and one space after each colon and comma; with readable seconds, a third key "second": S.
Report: {"hour": 10, "minute": 36}
